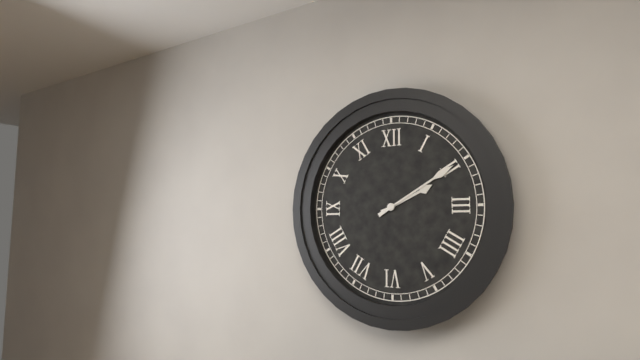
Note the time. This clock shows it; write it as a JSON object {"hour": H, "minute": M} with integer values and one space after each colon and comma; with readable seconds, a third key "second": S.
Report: {"hour": 2, "minute": 10}
